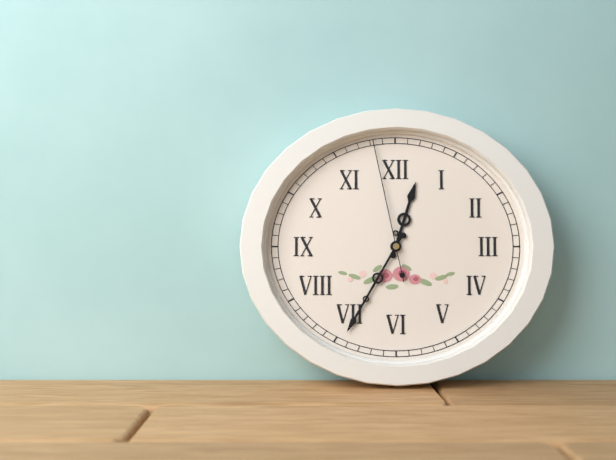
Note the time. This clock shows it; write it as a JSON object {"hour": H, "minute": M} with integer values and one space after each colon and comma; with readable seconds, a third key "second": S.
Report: {"hour": 12, "minute": 35, "second": 58}
